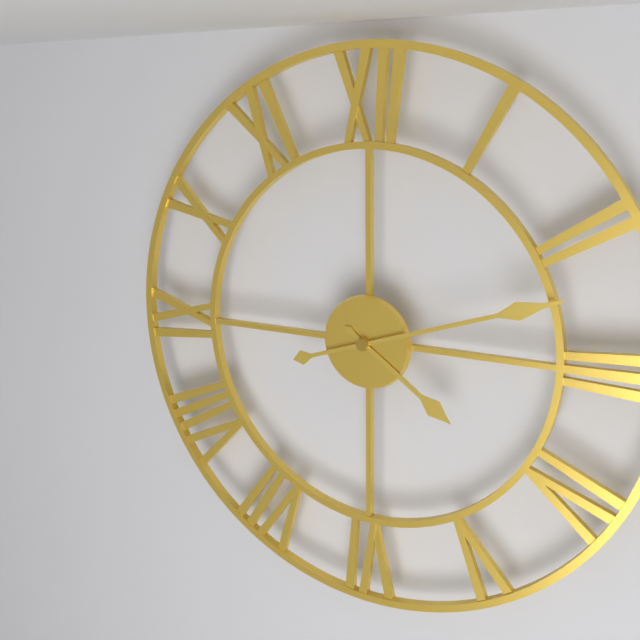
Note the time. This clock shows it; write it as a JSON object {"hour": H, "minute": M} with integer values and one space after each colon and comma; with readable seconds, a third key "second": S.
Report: {"hour": 4, "minute": 12}
